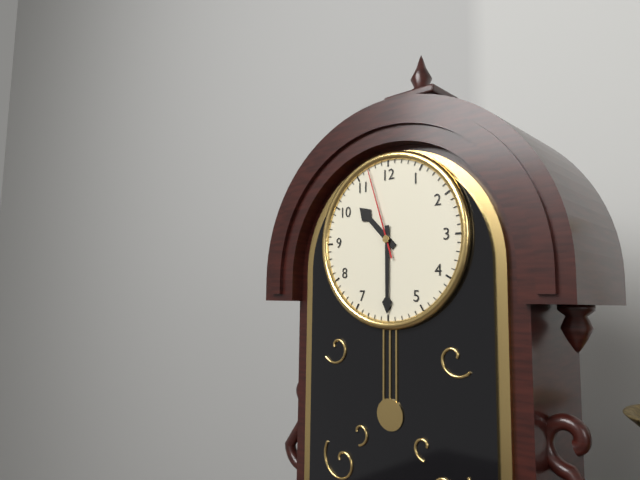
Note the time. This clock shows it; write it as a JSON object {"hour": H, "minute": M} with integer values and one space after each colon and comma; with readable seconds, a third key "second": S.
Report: {"hour": 10, "minute": 30, "second": 57}
